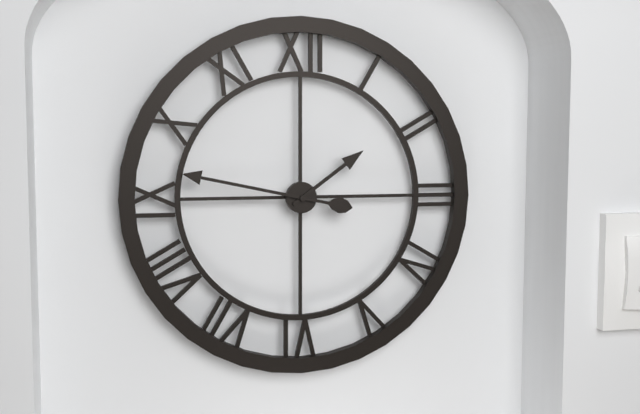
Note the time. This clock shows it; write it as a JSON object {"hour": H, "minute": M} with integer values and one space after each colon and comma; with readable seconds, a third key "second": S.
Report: {"hour": 1, "minute": 47}
